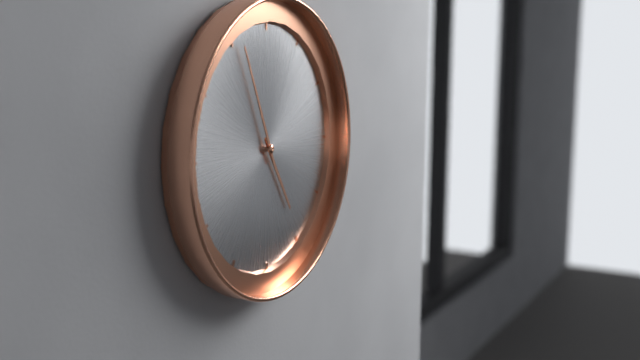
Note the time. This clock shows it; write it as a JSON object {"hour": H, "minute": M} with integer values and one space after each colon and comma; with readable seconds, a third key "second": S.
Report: {"hour": 4, "minute": 56}
